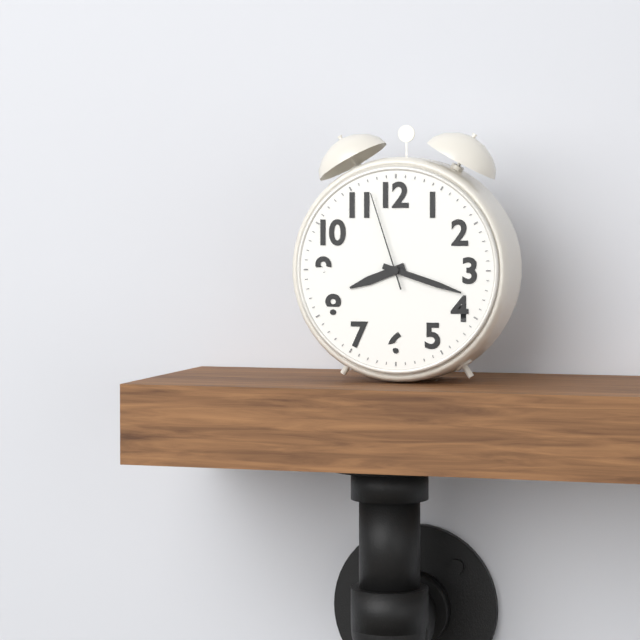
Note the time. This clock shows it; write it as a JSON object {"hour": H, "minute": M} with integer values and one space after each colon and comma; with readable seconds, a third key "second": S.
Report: {"hour": 8, "minute": 18, "second": 57}
